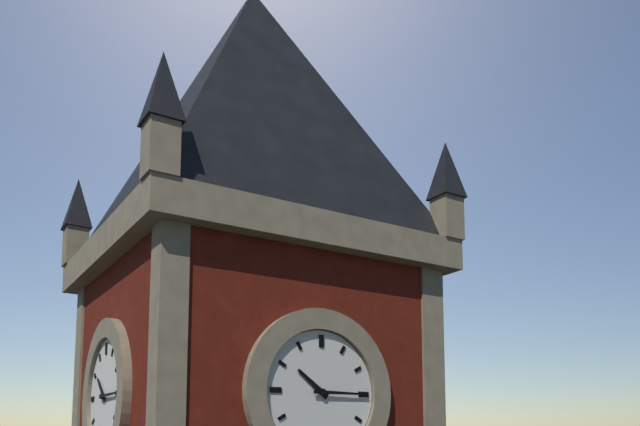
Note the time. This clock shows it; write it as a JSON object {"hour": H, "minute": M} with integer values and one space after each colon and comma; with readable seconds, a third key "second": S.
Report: {"hour": 10, "minute": 15}
